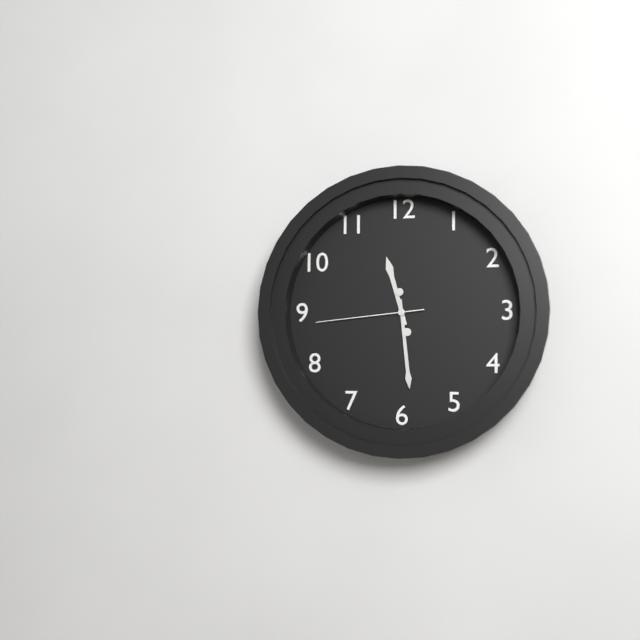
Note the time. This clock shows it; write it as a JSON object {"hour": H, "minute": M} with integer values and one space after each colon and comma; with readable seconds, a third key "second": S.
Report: {"hour": 11, "minute": 29, "second": 44}
